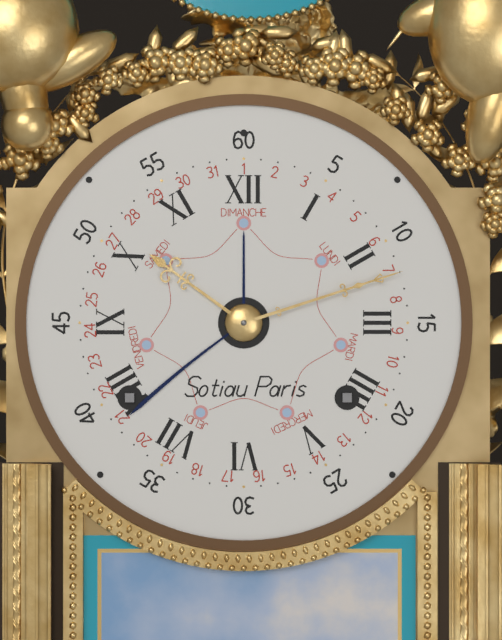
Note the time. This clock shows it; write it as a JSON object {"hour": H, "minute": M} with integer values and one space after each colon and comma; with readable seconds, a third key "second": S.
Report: {"hour": 10, "minute": 12}
